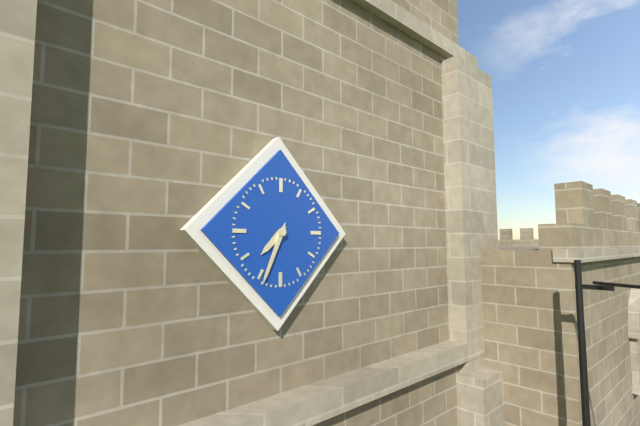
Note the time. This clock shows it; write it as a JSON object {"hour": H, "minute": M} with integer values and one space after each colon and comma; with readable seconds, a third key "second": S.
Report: {"hour": 7, "minute": 34}
